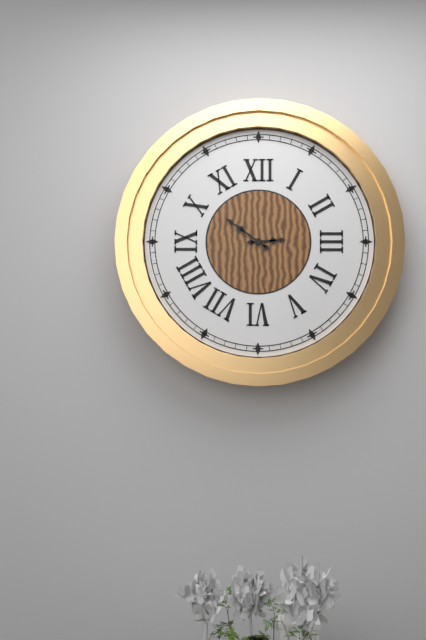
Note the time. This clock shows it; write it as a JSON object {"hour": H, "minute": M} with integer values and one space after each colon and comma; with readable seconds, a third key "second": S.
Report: {"hour": 2, "minute": 51}
